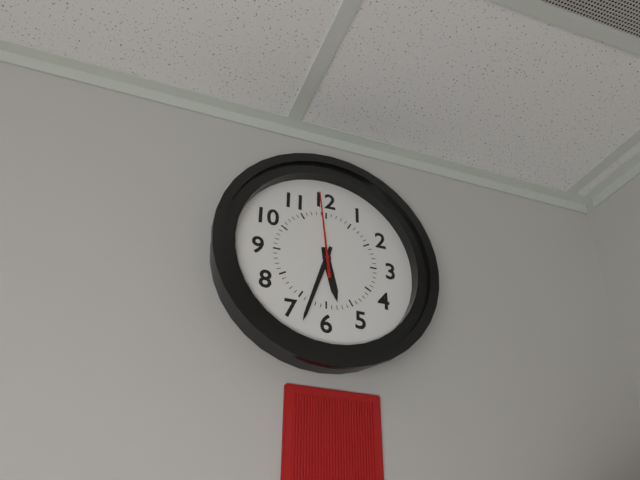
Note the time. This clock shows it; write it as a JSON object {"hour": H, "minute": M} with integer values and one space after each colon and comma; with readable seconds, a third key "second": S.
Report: {"hour": 5, "minute": 33, "second": 59}
